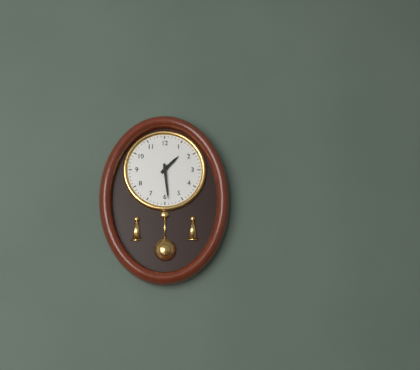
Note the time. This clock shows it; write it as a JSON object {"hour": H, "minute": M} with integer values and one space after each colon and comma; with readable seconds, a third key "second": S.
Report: {"hour": 1, "minute": 29}
